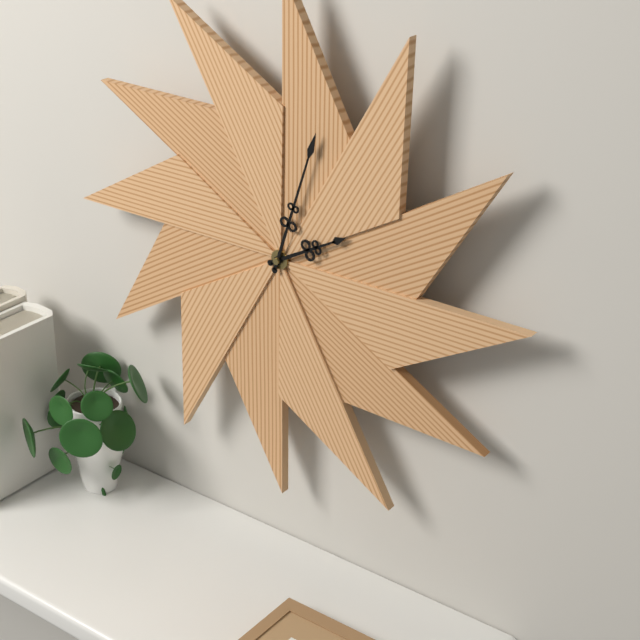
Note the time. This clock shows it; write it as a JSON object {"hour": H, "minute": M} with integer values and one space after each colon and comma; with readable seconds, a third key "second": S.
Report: {"hour": 2, "minute": 3}
